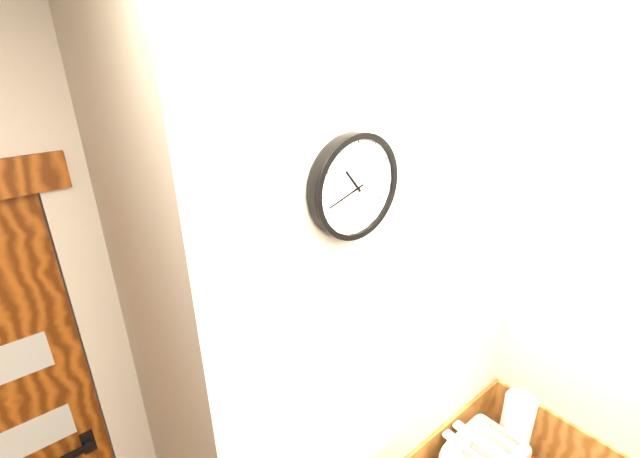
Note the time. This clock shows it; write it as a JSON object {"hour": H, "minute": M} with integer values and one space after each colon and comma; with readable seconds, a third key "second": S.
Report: {"hour": 10, "minute": 42}
